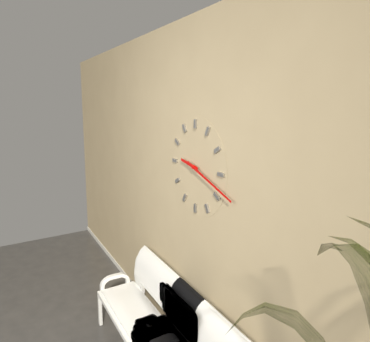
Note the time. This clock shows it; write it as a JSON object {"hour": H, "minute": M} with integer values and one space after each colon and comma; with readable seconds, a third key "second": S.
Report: {"hour": 9, "minute": 18}
